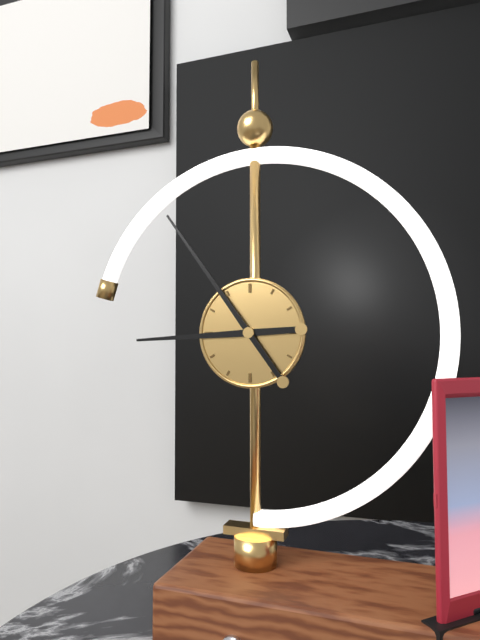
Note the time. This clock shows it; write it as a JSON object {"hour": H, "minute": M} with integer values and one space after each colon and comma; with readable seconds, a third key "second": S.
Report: {"hour": 8, "minute": 54}
